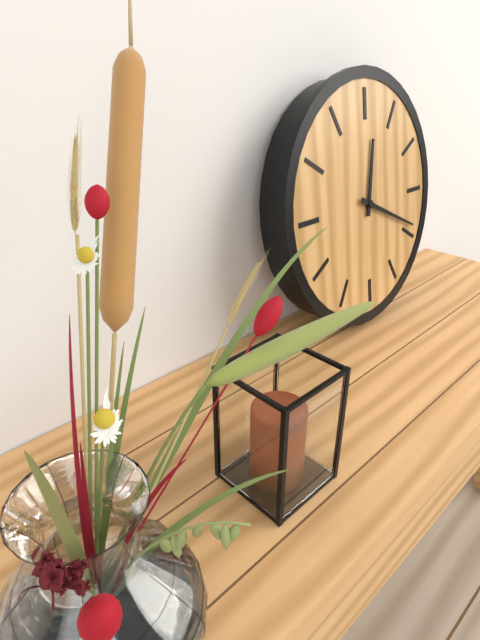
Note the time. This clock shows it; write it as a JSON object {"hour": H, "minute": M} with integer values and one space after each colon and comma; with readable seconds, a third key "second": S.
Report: {"hour": 12, "minute": 19}
